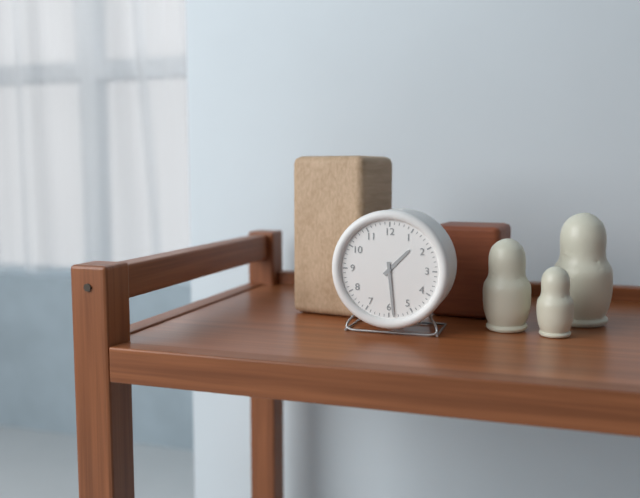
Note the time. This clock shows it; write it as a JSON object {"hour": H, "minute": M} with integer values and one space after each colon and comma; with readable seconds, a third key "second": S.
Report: {"hour": 1, "minute": 29}
